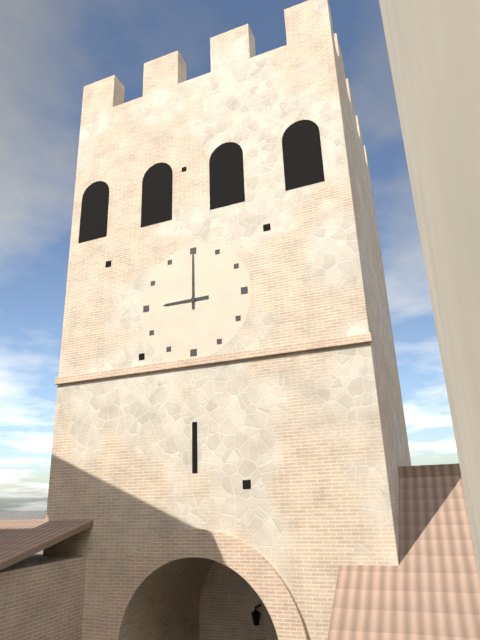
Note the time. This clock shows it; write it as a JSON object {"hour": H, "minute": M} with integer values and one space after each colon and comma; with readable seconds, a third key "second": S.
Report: {"hour": 9, "minute": 0}
